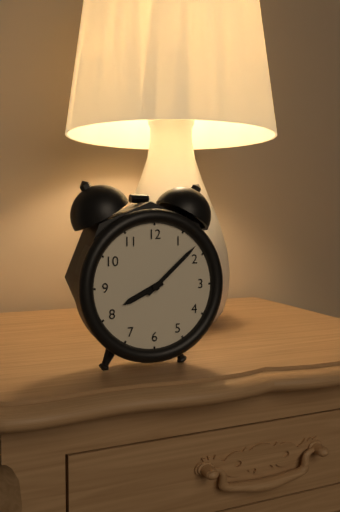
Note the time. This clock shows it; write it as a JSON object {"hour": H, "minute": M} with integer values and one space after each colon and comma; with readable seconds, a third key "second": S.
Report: {"hour": 8, "minute": 8}
